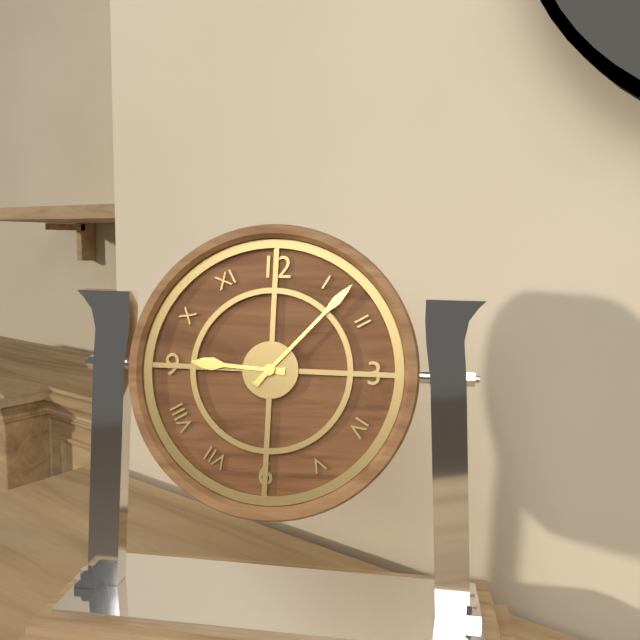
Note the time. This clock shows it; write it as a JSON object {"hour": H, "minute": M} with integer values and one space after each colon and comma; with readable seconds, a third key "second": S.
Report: {"hour": 9, "minute": 7}
